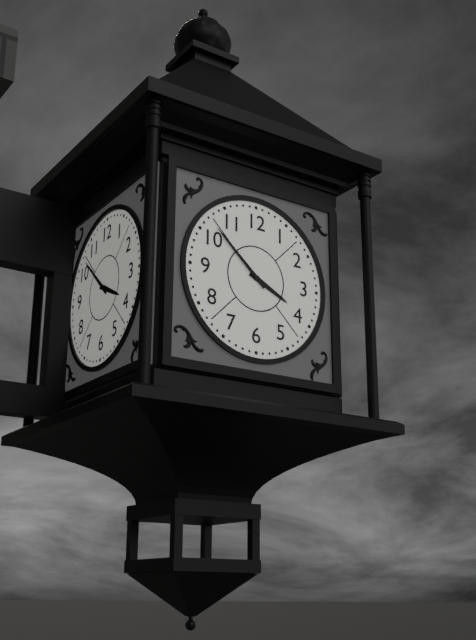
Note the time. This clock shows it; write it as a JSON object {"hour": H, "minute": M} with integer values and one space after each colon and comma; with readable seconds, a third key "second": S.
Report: {"hour": 3, "minute": 52}
